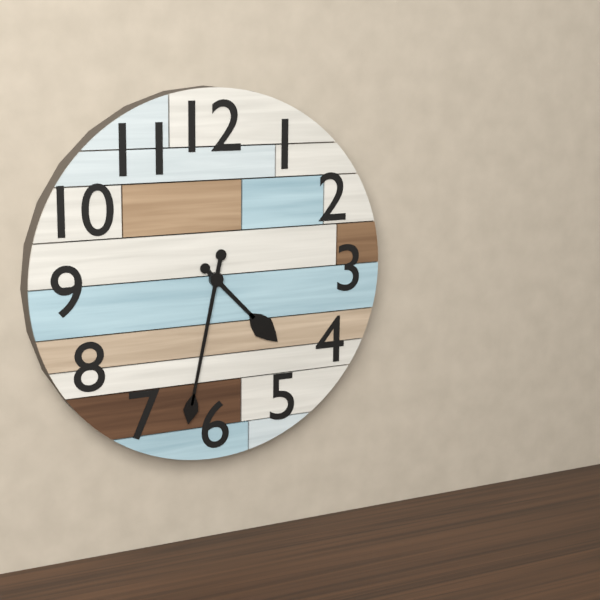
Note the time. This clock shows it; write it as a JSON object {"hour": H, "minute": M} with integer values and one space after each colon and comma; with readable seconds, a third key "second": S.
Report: {"hour": 4, "minute": 32}
